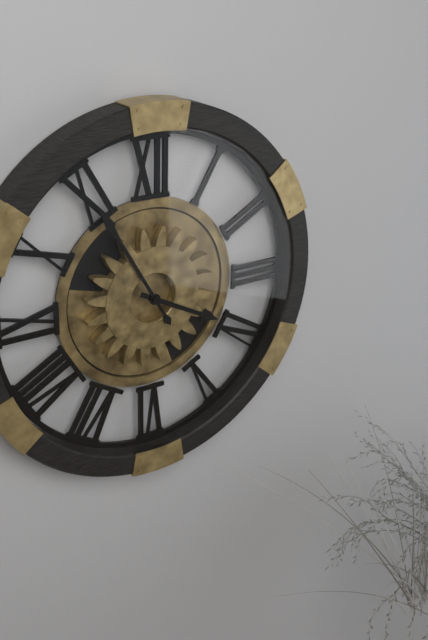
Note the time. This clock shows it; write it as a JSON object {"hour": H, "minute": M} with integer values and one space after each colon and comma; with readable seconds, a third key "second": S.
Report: {"hour": 3, "minute": 55}
